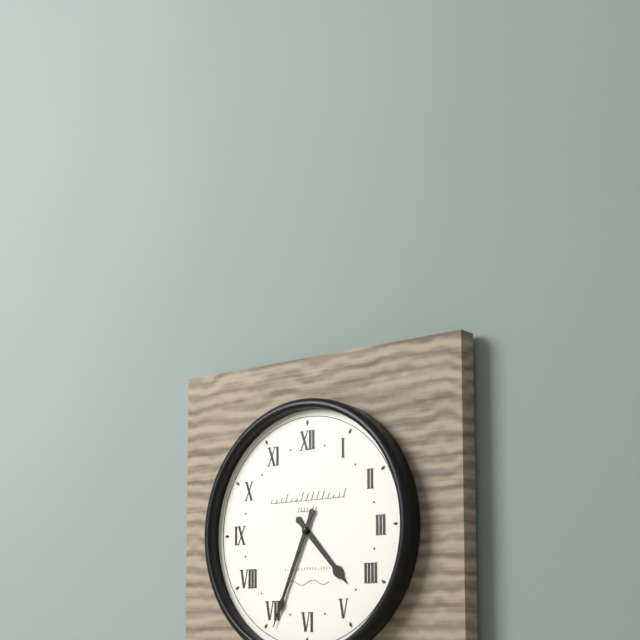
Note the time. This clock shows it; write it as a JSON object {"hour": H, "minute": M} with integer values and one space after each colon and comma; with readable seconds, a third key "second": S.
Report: {"hour": 4, "minute": 34}
